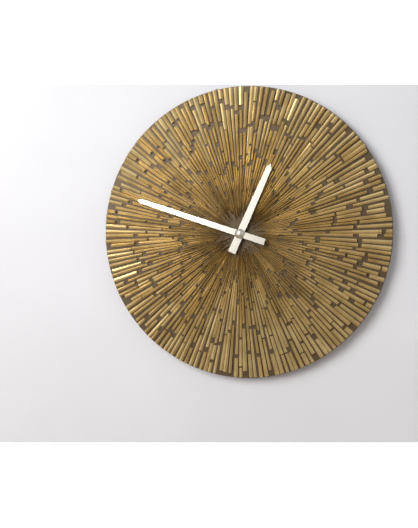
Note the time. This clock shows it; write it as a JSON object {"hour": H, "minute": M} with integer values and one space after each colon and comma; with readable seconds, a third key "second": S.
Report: {"hour": 12, "minute": 48}
